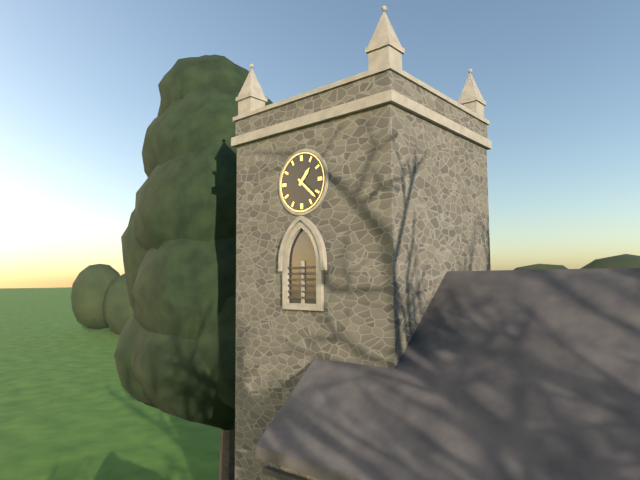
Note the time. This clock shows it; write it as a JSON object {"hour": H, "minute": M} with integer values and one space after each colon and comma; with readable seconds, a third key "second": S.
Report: {"hour": 1, "minute": 22}
